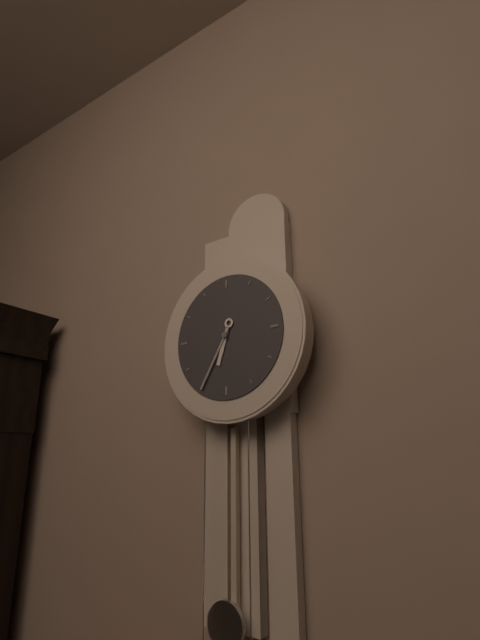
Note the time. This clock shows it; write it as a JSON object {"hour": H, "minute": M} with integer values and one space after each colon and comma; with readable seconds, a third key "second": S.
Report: {"hour": 6, "minute": 35}
